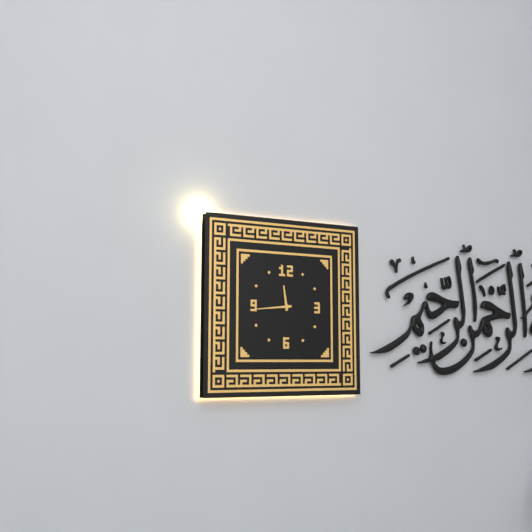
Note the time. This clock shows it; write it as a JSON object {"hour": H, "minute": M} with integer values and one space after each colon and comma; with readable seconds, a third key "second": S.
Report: {"hour": 11, "minute": 44}
